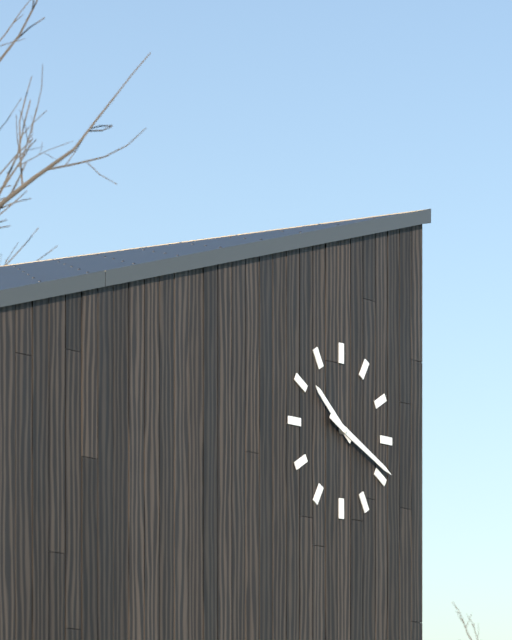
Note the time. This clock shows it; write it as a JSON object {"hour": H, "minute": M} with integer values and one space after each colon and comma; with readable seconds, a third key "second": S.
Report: {"hour": 10, "minute": 19}
